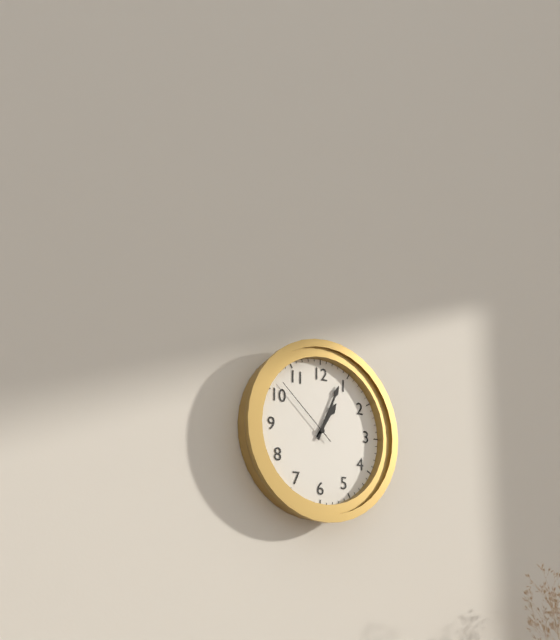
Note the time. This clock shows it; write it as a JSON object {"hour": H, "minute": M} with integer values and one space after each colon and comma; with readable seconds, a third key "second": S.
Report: {"hour": 1, "minute": 4, "second": 52}
